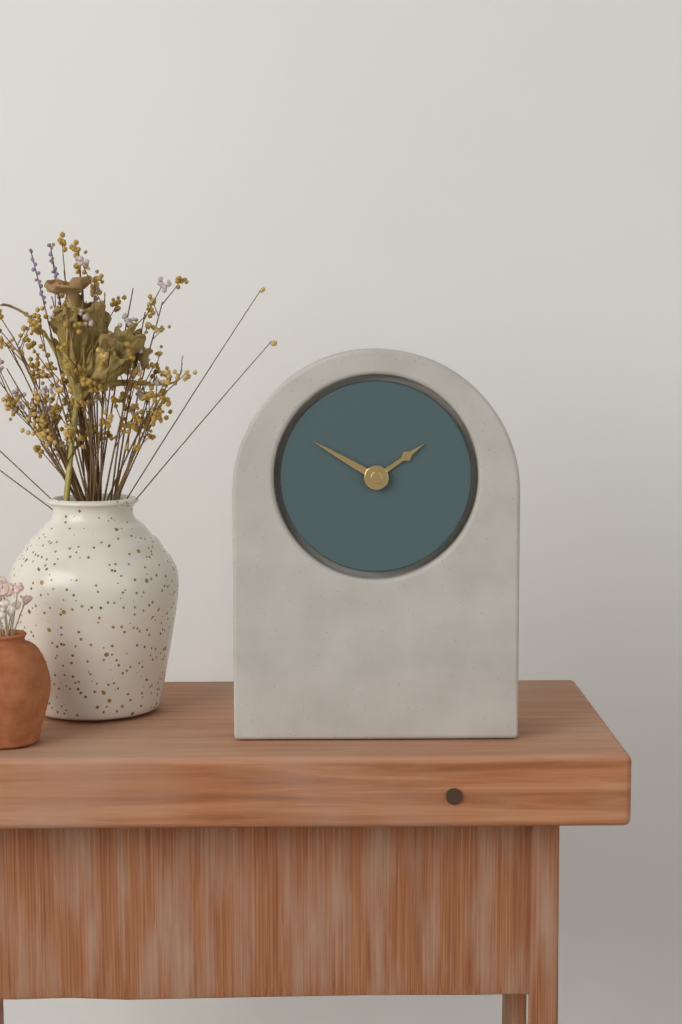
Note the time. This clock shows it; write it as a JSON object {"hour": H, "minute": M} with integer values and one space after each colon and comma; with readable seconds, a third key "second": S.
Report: {"hour": 1, "minute": 50}
